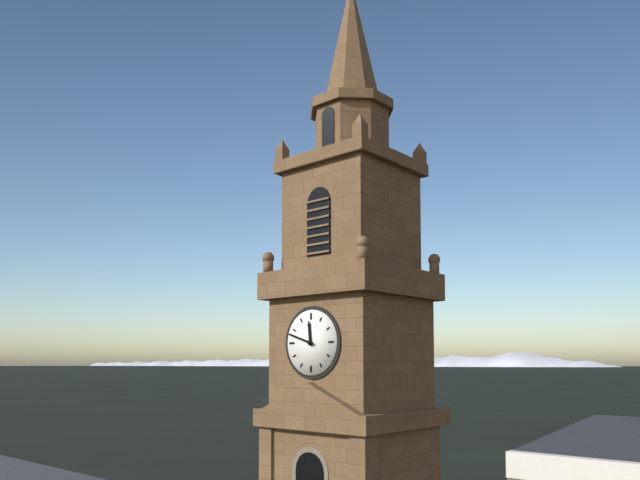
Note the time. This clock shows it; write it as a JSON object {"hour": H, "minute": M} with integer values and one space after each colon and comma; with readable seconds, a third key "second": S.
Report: {"hour": 11, "minute": 48}
